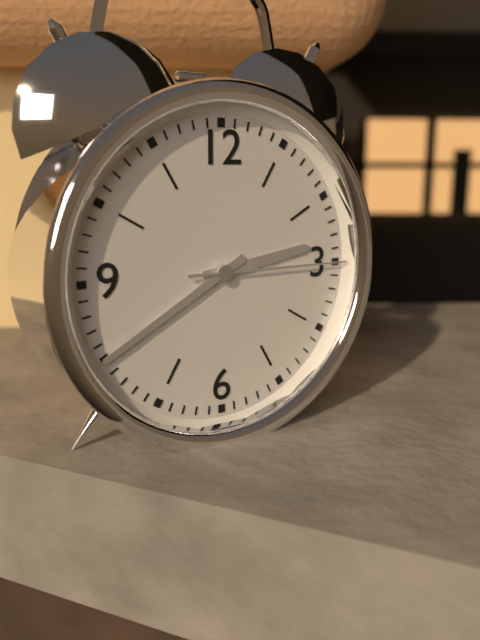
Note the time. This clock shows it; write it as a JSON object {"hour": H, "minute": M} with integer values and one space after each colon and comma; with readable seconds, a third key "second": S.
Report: {"hour": 2, "minute": 40, "second": 15}
